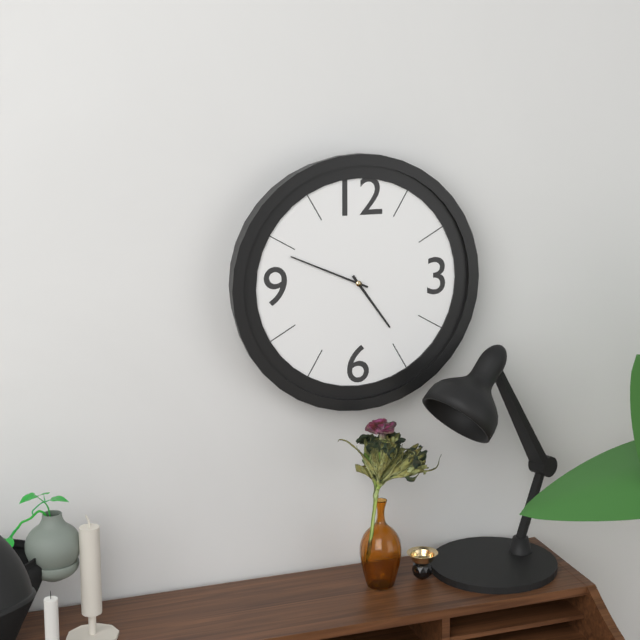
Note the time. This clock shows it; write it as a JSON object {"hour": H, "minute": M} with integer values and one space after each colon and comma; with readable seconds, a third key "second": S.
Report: {"hour": 4, "minute": 49}
